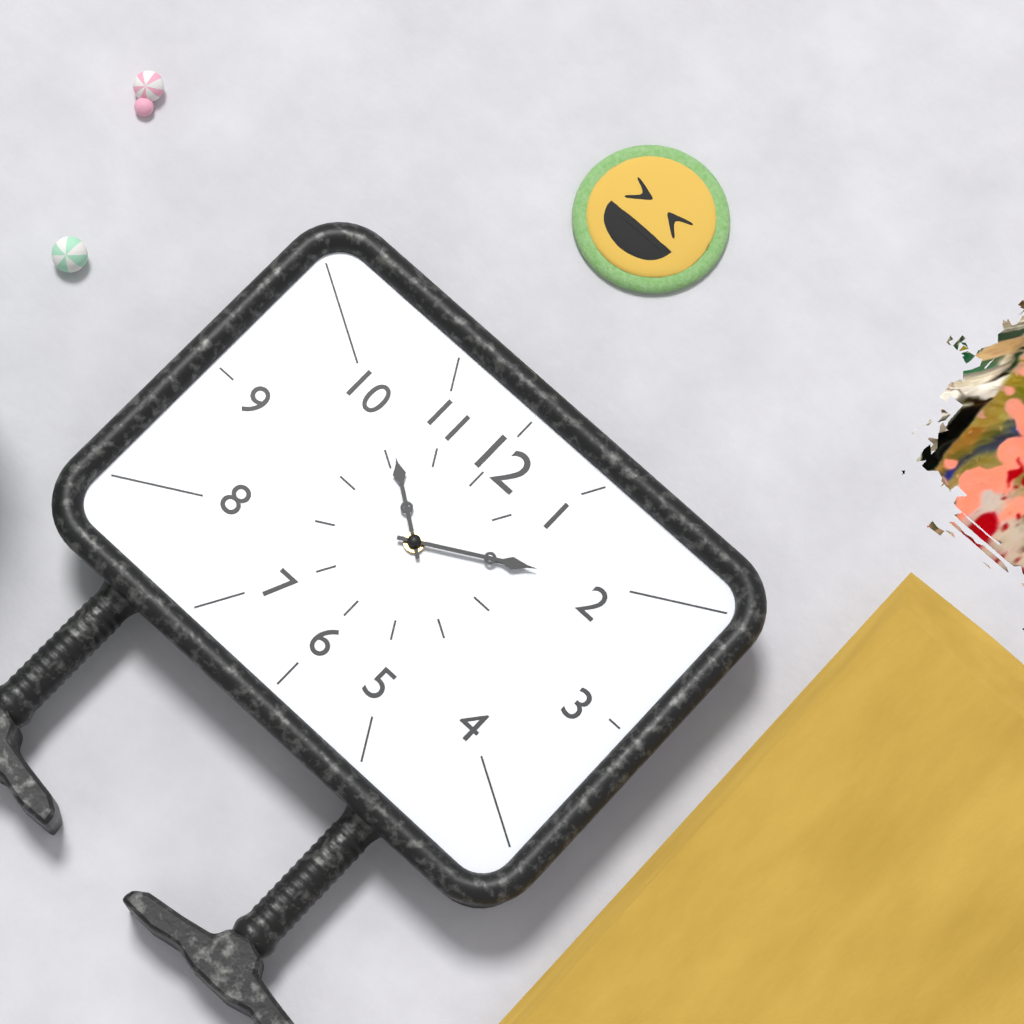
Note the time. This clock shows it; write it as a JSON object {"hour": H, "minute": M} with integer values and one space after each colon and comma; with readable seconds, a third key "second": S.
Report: {"hour": 10, "minute": 10}
